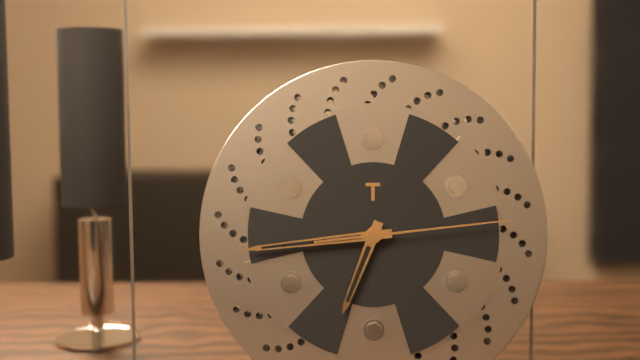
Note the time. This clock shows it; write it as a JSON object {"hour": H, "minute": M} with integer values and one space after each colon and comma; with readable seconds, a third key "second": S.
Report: {"hour": 6, "minute": 44, "second": 14}
